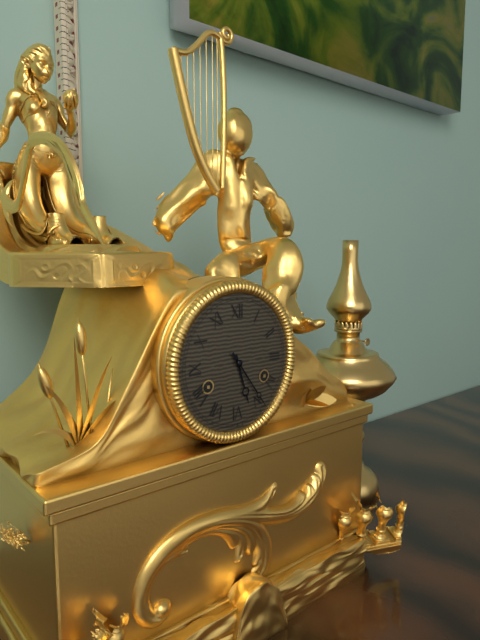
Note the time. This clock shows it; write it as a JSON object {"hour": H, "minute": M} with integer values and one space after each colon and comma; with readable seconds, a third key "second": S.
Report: {"hour": 5, "minute": 24}
